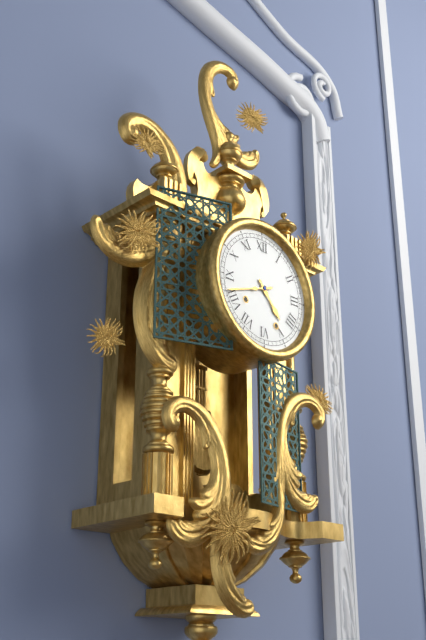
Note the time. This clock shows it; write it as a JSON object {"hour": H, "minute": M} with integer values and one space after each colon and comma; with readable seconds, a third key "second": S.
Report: {"hour": 4, "minute": 42}
